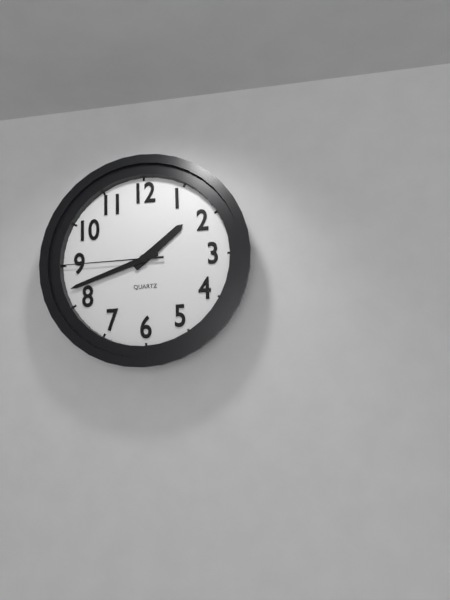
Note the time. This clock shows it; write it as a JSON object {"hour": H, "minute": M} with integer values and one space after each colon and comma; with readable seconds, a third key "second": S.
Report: {"hour": 1, "minute": 42, "second": 45}
